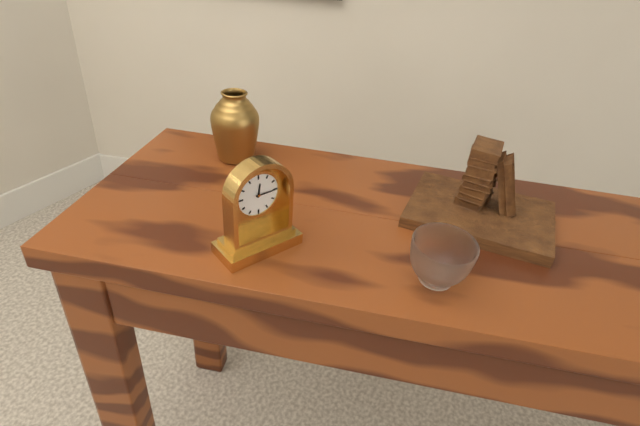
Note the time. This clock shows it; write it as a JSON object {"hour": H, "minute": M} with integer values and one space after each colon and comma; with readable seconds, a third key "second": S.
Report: {"hour": 12, "minute": 15}
